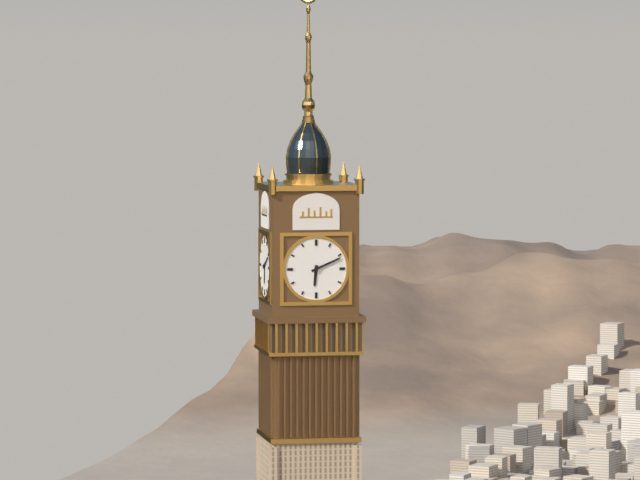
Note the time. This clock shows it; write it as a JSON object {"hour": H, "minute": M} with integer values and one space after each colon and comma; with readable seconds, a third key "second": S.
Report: {"hour": 6, "minute": 11}
